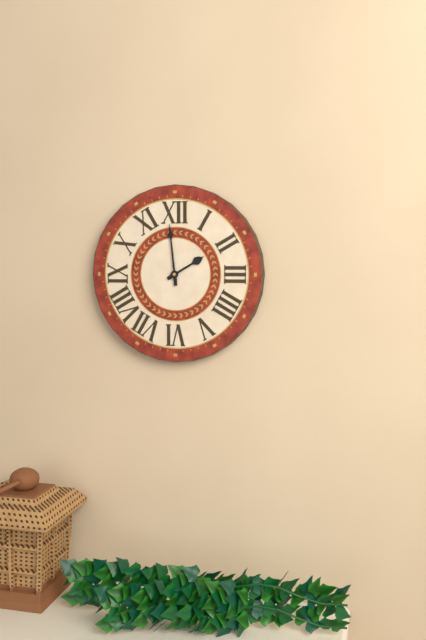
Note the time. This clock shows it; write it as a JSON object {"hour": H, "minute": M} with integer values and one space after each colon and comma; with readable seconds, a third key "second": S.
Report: {"hour": 1, "minute": 59}
